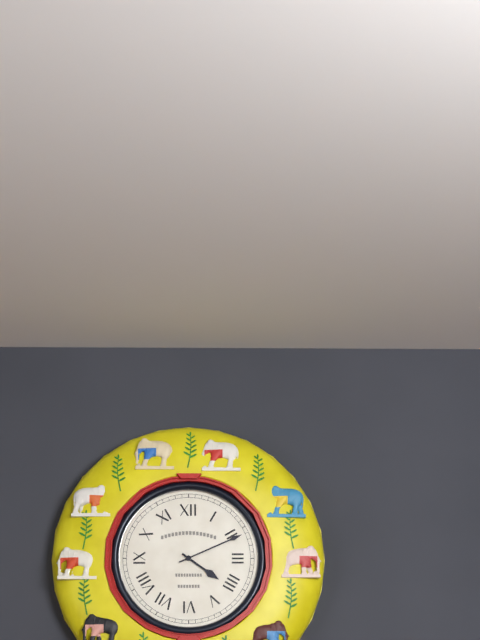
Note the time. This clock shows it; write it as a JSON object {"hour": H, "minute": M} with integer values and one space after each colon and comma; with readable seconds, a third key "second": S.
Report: {"hour": 4, "minute": 11}
